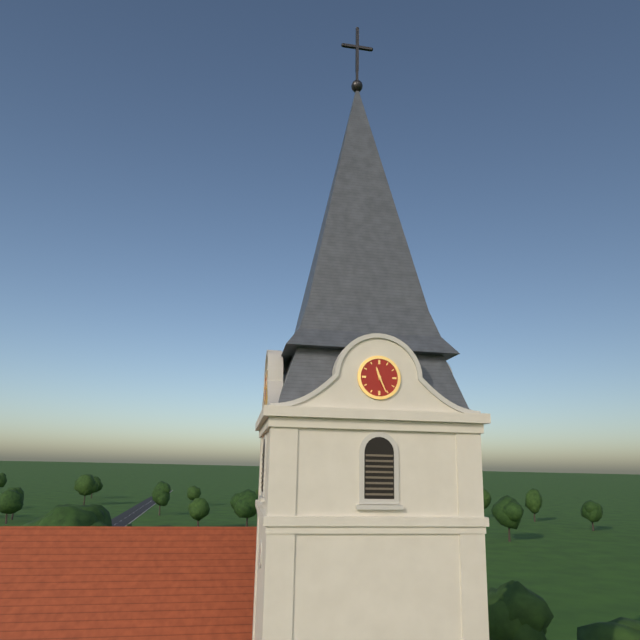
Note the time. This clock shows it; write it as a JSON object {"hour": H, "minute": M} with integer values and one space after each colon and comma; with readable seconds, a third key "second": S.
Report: {"hour": 11, "minute": 26}
